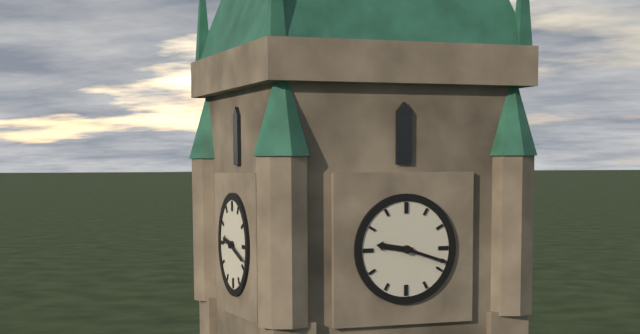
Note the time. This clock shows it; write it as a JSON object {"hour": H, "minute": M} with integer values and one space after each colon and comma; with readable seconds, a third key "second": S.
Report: {"hour": 9, "minute": 18}
